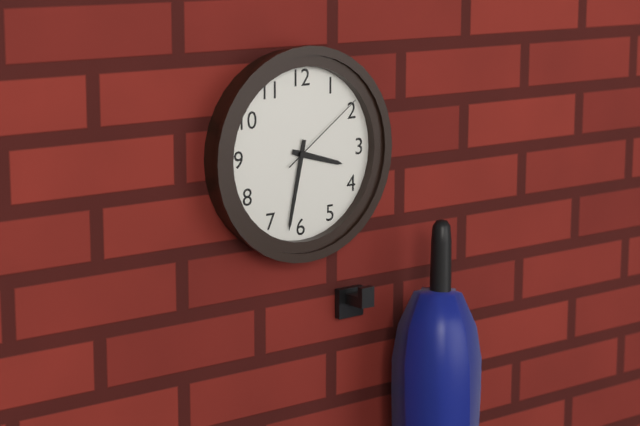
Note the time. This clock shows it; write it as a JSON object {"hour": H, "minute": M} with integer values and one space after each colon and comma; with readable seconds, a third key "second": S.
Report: {"hour": 3, "minute": 32, "second": 9}
